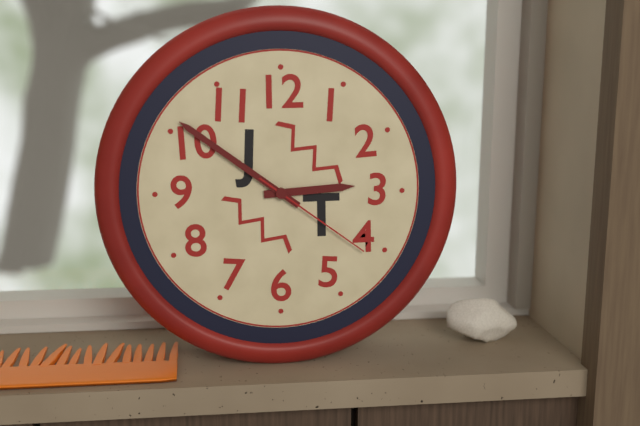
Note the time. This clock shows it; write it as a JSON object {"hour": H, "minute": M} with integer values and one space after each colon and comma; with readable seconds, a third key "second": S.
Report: {"hour": 2, "minute": 51, "second": 21}
